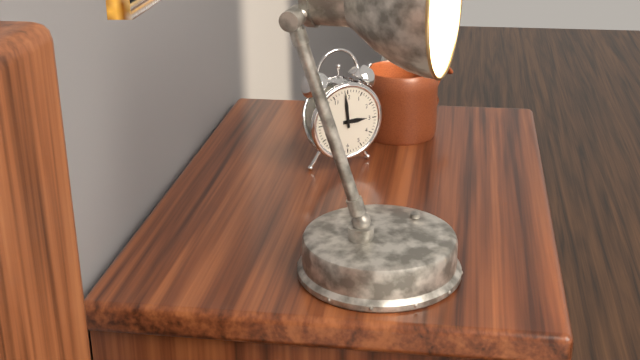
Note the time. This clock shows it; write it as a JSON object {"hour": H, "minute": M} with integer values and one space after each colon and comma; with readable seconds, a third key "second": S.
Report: {"hour": 2, "minute": 59}
